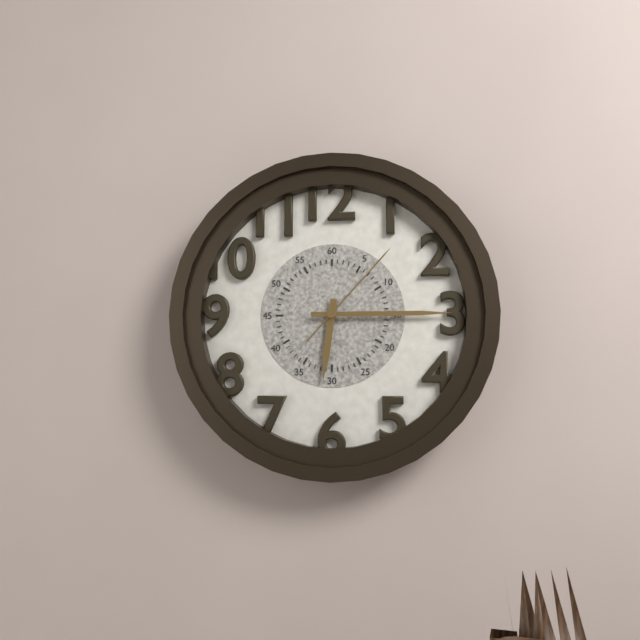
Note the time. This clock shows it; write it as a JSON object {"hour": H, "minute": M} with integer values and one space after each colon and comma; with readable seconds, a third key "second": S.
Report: {"hour": 6, "minute": 15, "second": 7}
